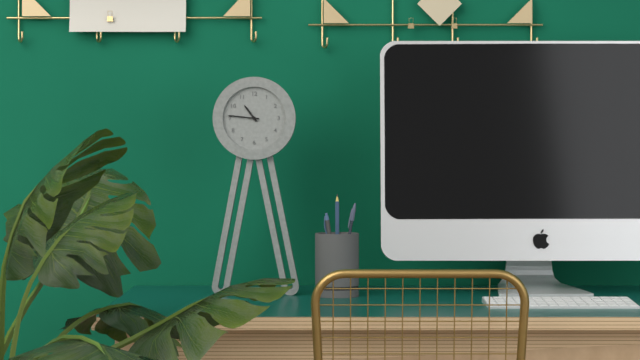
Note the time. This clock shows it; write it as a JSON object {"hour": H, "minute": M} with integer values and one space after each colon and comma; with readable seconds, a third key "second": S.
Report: {"hour": 10, "minute": 46}
